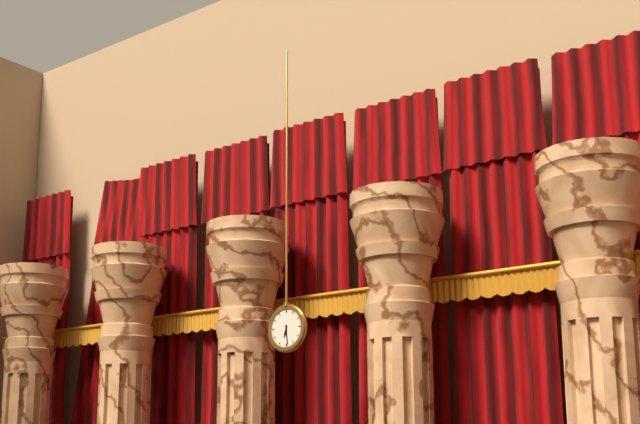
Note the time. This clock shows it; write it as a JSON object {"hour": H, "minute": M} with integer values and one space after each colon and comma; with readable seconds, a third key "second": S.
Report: {"hour": 6, "minute": 29}
